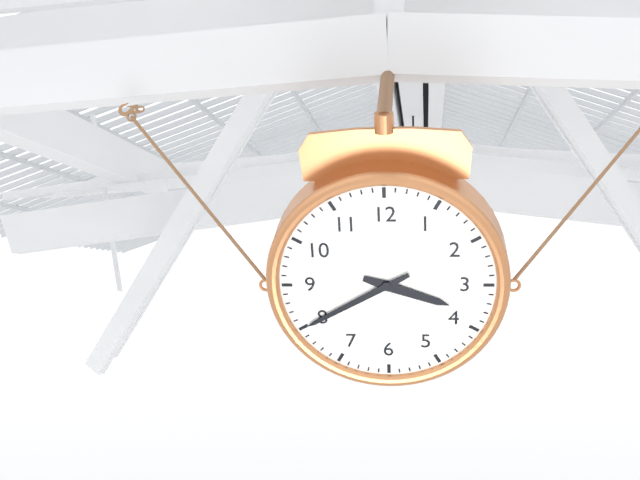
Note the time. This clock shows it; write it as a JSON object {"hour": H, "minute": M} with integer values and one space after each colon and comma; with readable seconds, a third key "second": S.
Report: {"hour": 3, "minute": 40}
